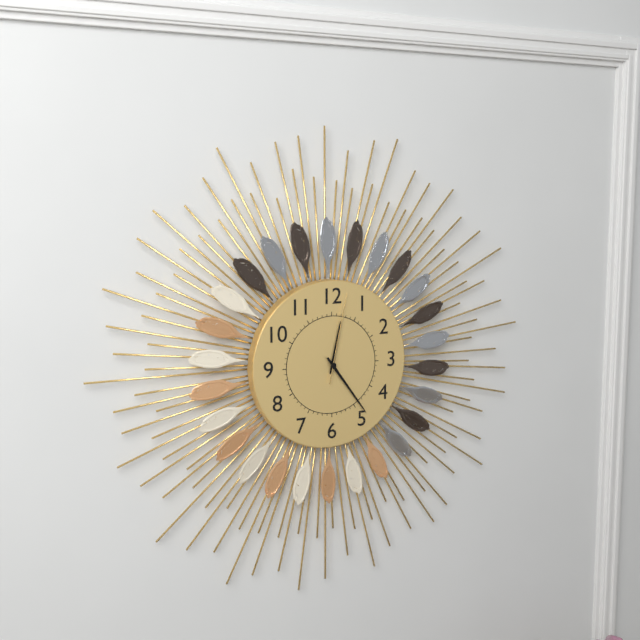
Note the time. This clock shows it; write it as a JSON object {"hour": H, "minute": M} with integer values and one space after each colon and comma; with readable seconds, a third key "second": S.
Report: {"hour": 12, "minute": 24, "second": 2}
